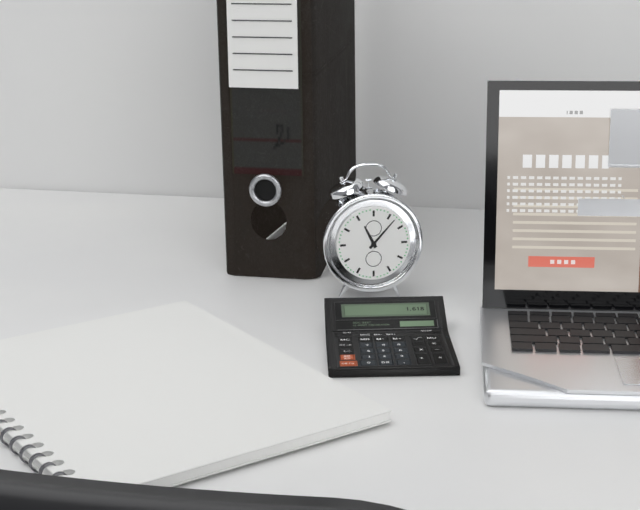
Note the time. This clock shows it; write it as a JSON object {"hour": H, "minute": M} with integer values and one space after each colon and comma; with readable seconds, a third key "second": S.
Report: {"hour": 11, "minute": 7}
